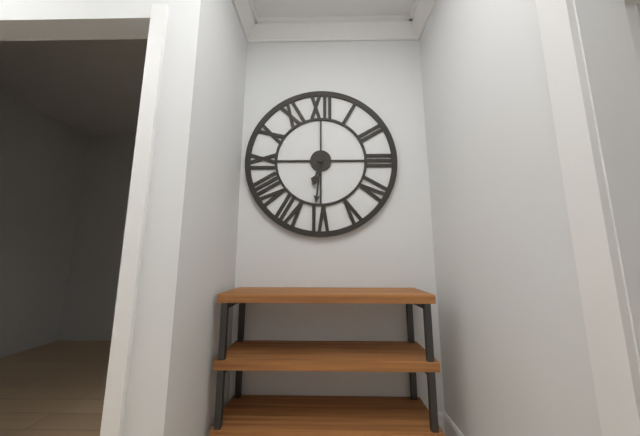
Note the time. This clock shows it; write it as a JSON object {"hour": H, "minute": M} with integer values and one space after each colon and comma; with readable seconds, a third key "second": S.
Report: {"hour": 6, "minute": 31}
